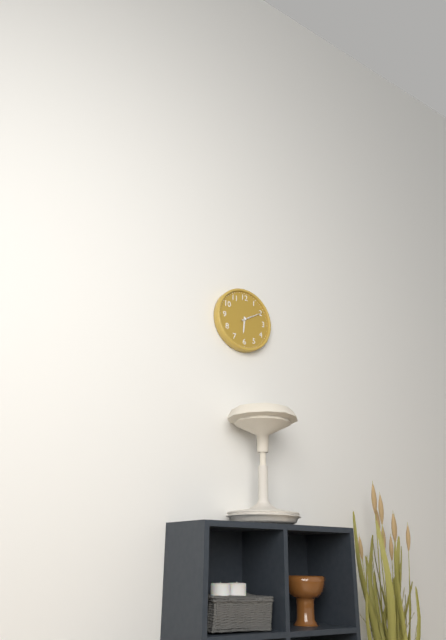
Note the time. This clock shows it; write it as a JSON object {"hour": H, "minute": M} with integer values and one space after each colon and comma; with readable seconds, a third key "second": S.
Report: {"hour": 6, "minute": 10}
